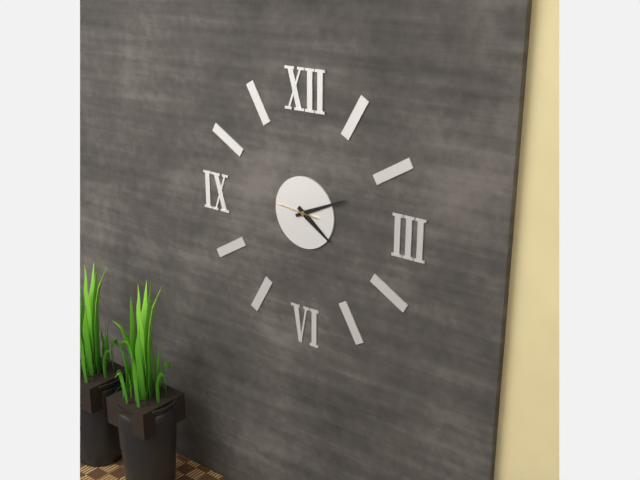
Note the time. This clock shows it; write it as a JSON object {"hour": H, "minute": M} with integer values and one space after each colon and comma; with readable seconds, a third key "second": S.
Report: {"hour": 4, "minute": 11}
